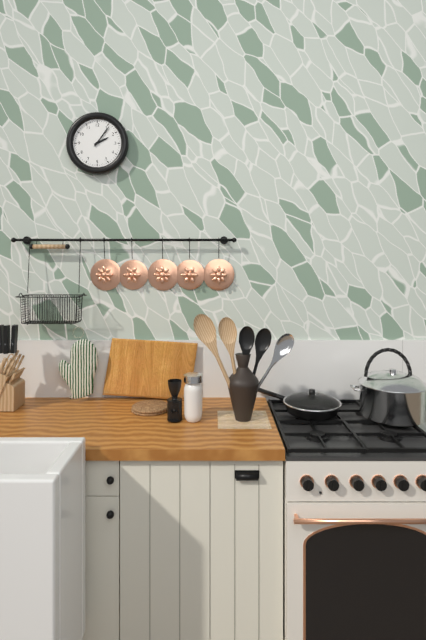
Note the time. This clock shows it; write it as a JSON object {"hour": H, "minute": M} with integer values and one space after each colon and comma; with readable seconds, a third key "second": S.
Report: {"hour": 2, "minute": 6}
